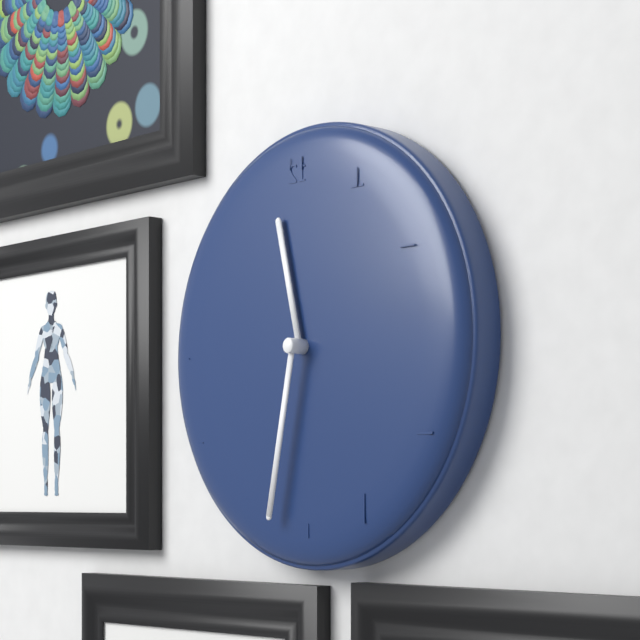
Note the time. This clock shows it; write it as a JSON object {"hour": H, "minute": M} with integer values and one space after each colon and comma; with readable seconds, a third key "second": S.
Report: {"hour": 11, "minute": 32}
